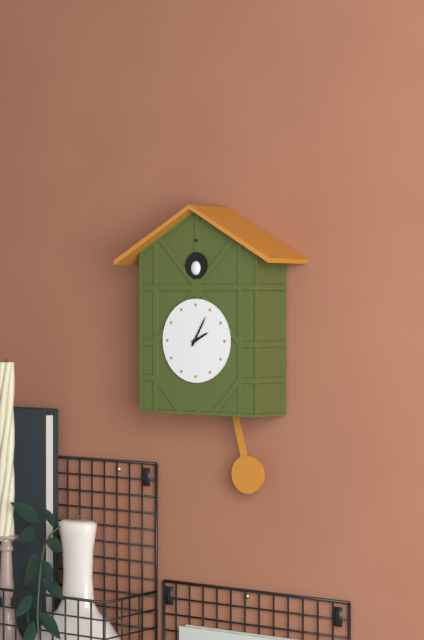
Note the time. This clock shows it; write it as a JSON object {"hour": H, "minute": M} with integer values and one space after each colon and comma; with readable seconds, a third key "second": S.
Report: {"hour": 2, "minute": 5}
